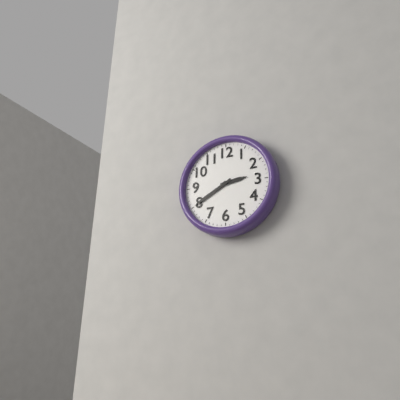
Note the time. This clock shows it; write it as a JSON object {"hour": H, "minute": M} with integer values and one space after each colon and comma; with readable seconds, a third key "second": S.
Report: {"hour": 2, "minute": 40}
